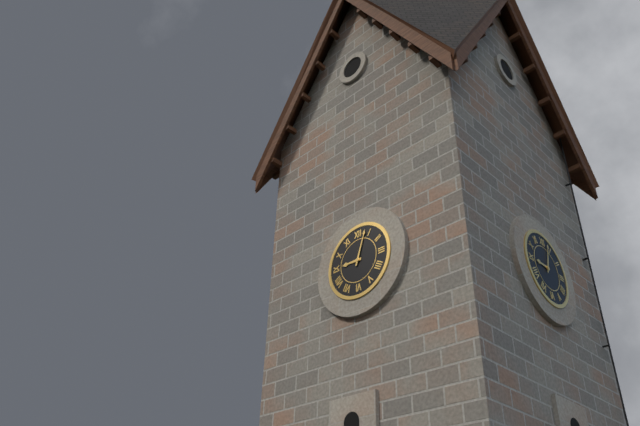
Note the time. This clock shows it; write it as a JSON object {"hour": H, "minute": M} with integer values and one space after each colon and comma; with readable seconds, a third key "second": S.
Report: {"hour": 9, "minute": 3}
